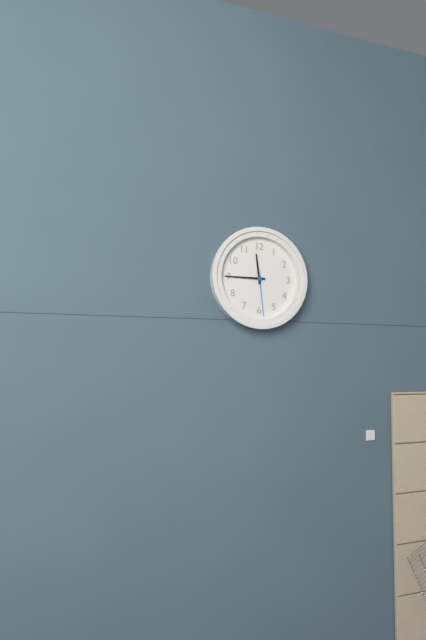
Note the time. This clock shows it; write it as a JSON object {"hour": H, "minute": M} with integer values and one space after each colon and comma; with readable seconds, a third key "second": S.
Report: {"hour": 11, "minute": 45}
